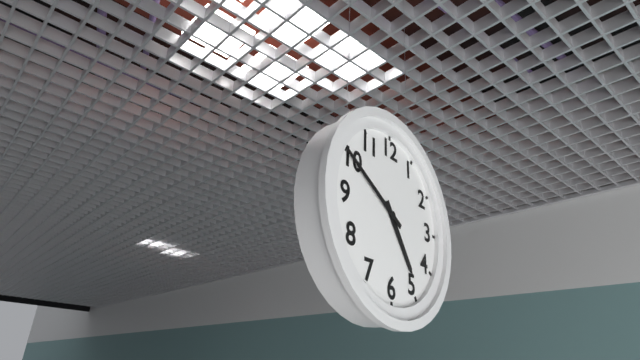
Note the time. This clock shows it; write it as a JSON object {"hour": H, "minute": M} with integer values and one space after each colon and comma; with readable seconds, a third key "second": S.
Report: {"hour": 4, "minute": 50}
